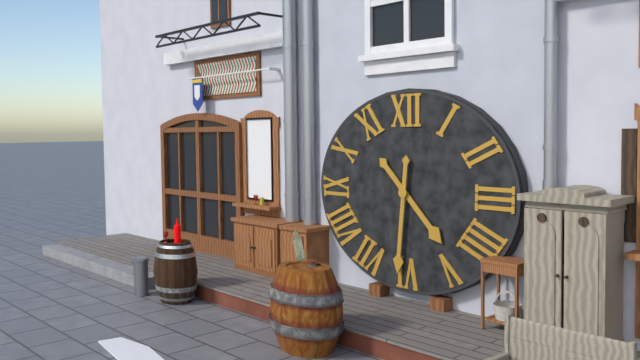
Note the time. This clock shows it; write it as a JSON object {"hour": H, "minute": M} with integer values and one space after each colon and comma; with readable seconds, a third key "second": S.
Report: {"hour": 4, "minute": 31}
